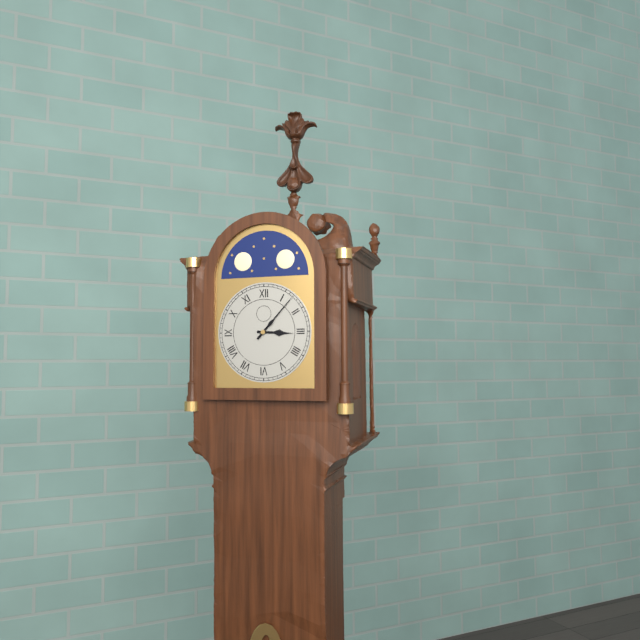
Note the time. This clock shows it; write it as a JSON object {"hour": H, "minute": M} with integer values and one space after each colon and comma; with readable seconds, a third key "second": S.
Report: {"hour": 3, "minute": 7}
